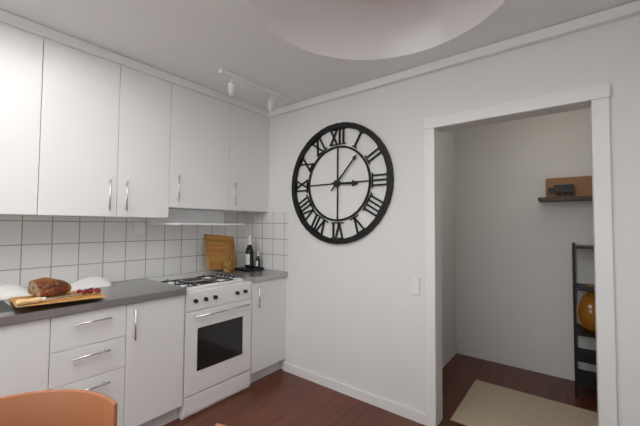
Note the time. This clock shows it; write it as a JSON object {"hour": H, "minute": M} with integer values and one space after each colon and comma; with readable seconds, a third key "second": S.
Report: {"hour": 3, "minute": 7}
